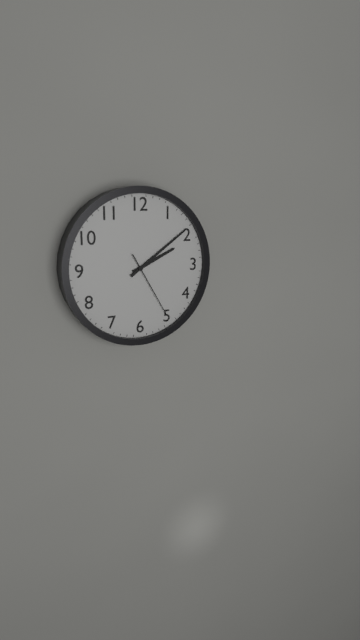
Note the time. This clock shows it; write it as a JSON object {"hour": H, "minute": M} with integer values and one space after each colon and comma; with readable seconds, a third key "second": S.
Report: {"hour": 2, "minute": 9, "second": 25}
